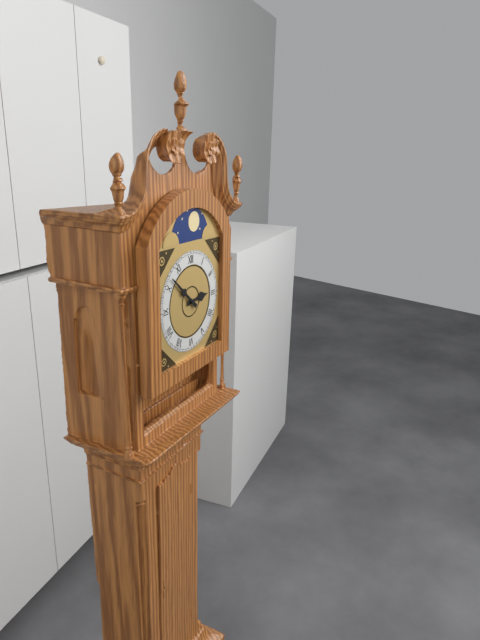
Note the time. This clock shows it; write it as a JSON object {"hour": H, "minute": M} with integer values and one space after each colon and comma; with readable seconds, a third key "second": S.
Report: {"hour": 2, "minute": 52}
